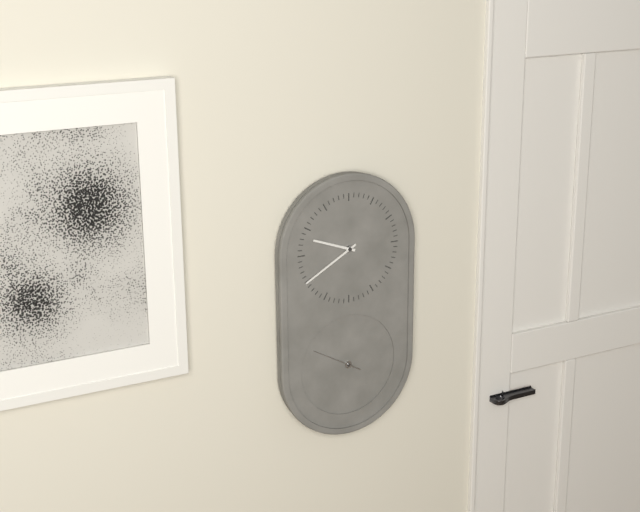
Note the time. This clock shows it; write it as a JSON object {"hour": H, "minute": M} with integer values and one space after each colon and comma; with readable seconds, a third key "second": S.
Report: {"hour": 9, "minute": 40}
